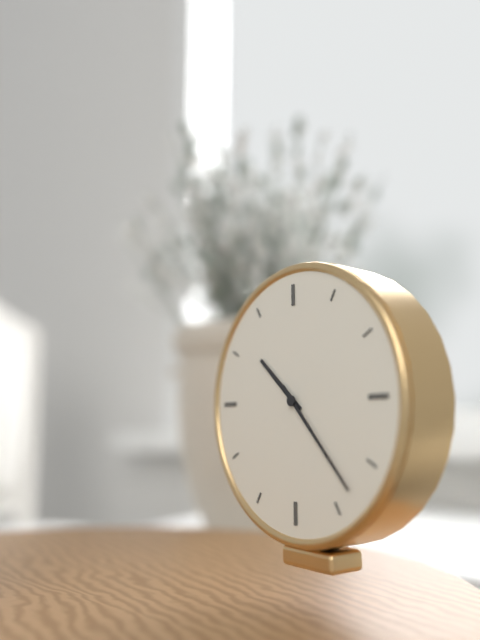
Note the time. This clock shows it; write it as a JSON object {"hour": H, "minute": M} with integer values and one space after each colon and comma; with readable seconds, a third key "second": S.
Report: {"hour": 10, "minute": 23}
